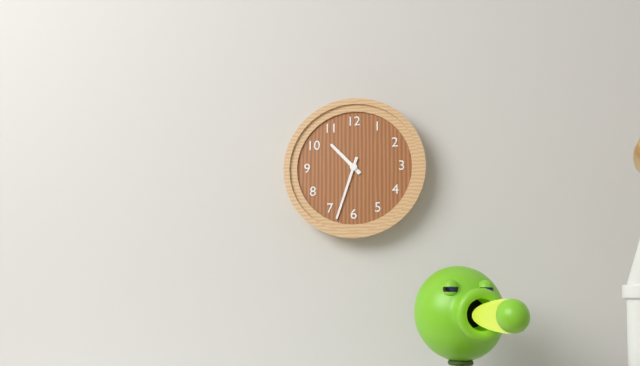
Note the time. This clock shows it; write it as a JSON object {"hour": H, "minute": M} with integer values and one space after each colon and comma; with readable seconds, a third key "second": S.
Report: {"hour": 10, "minute": 33}
